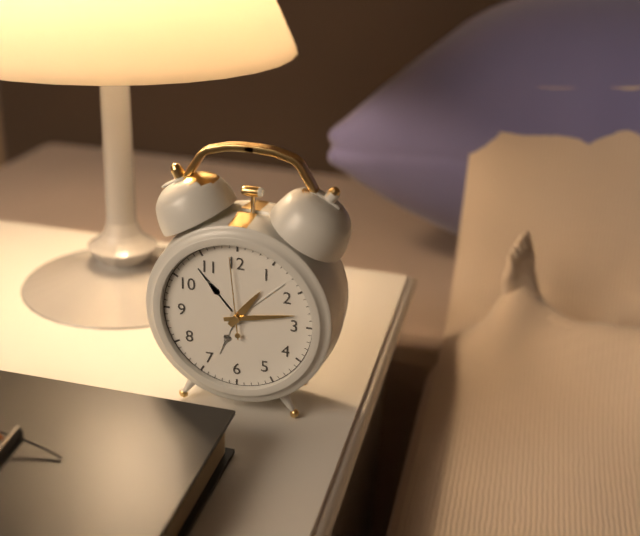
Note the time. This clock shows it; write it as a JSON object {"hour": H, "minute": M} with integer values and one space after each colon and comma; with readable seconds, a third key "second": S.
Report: {"hour": 1, "minute": 13, "second": 59}
